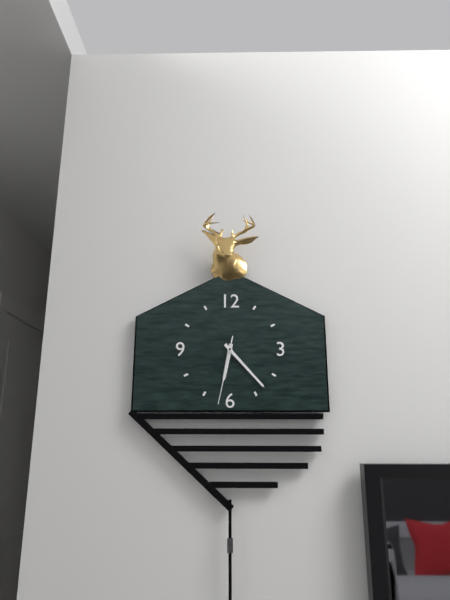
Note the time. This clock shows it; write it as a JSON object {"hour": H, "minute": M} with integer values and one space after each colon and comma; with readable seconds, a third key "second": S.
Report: {"hour": 6, "minute": 23, "second": 32}
